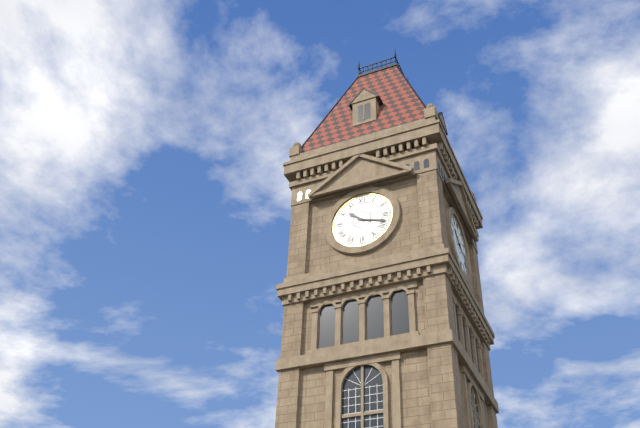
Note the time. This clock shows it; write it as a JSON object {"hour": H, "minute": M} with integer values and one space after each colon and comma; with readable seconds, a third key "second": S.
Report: {"hour": 10, "minute": 18}
